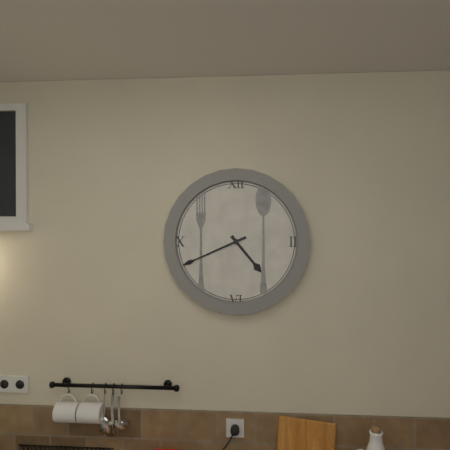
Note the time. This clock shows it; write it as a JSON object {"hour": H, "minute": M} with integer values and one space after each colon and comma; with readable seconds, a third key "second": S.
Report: {"hour": 4, "minute": 41}
